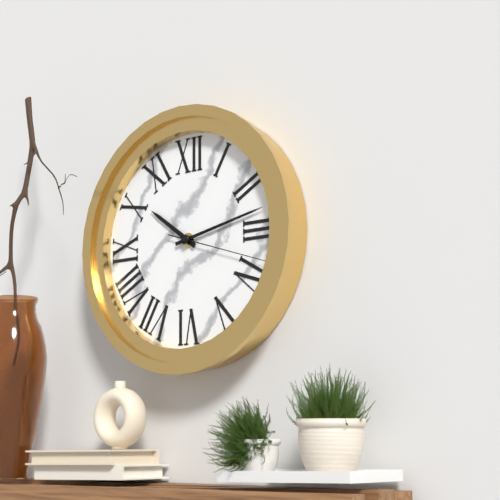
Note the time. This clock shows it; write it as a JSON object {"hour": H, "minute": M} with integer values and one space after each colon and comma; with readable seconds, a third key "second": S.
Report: {"hour": 10, "minute": 13, "second": 18}
